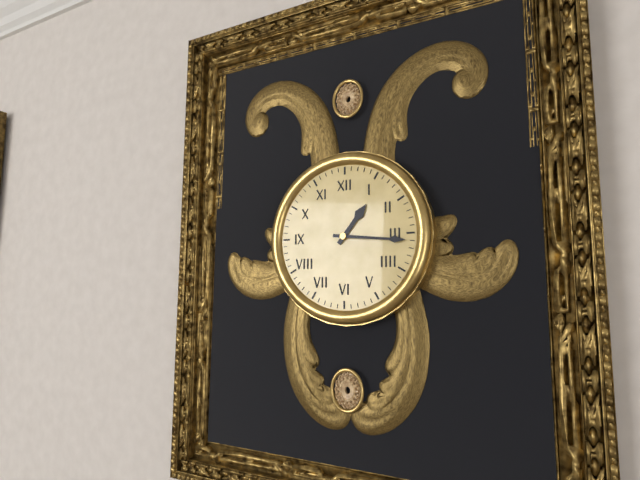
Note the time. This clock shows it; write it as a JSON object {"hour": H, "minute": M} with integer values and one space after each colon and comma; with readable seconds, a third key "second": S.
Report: {"hour": 1, "minute": 16}
